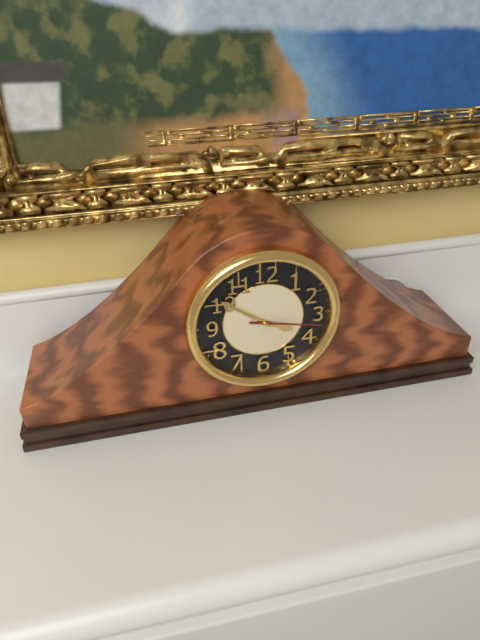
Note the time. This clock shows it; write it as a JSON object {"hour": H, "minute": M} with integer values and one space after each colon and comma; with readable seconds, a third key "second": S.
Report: {"hour": 3, "minute": 51, "second": 17}
